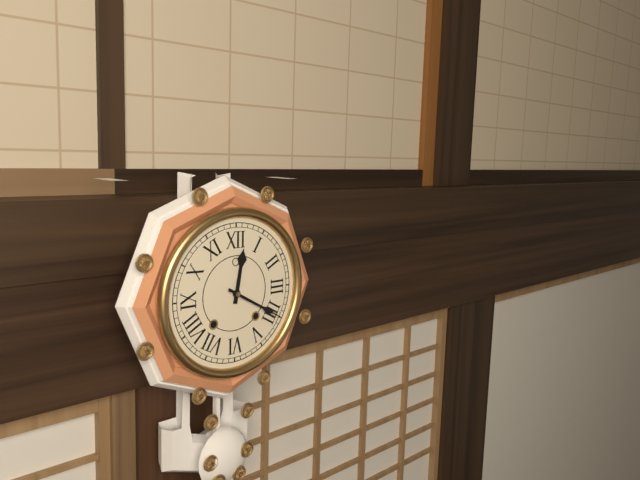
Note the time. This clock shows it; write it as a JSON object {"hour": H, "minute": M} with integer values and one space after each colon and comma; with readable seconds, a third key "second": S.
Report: {"hour": 12, "minute": 20}
